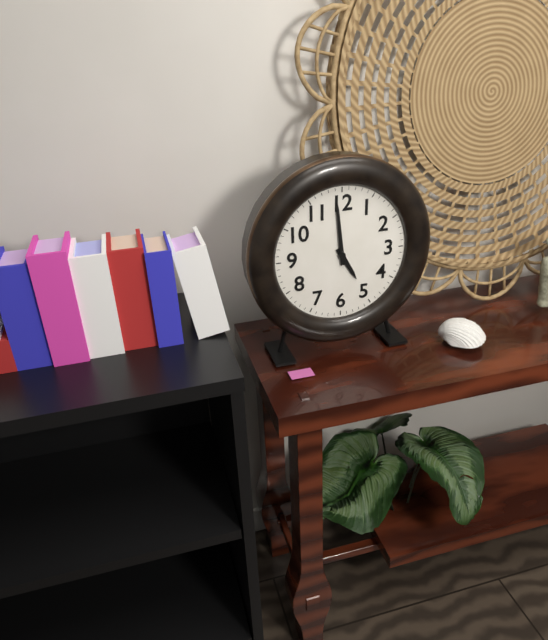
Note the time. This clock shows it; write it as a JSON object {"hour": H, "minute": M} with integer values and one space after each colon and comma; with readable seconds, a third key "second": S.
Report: {"hour": 4, "minute": 59}
